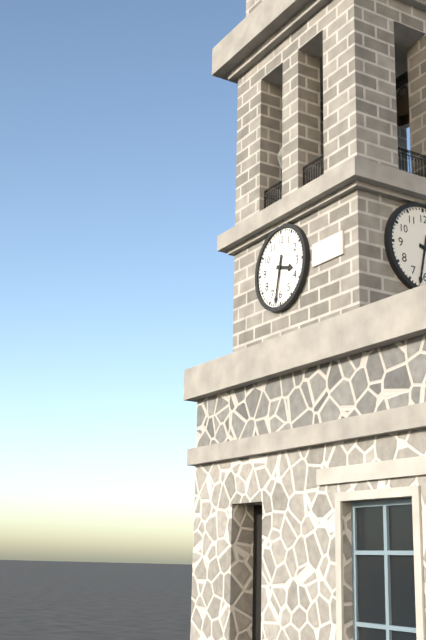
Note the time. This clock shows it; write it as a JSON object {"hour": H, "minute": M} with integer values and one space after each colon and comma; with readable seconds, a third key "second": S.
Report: {"hour": 3, "minute": 32}
